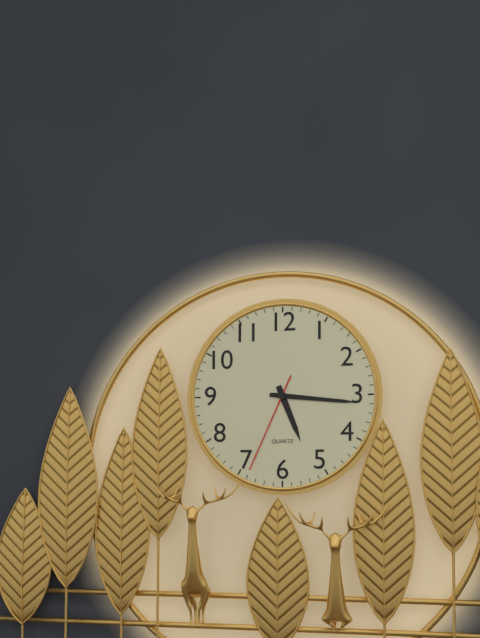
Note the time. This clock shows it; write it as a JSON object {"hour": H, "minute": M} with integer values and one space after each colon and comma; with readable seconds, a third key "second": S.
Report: {"hour": 5, "minute": 16, "second": 34}
